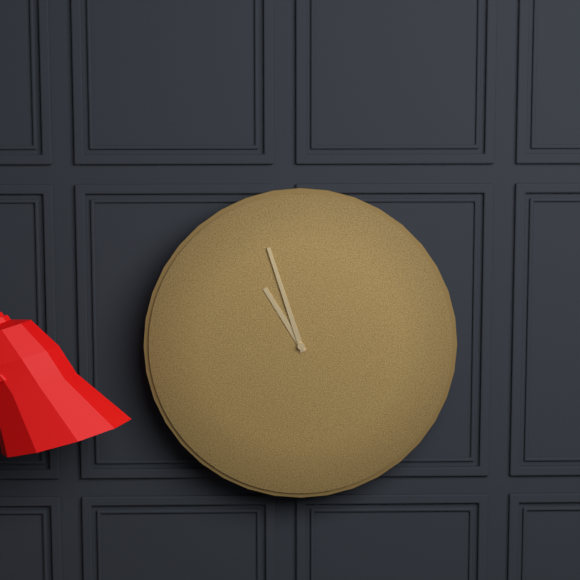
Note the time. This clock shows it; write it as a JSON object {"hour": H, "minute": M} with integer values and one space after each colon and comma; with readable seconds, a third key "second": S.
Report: {"hour": 10, "minute": 57}
